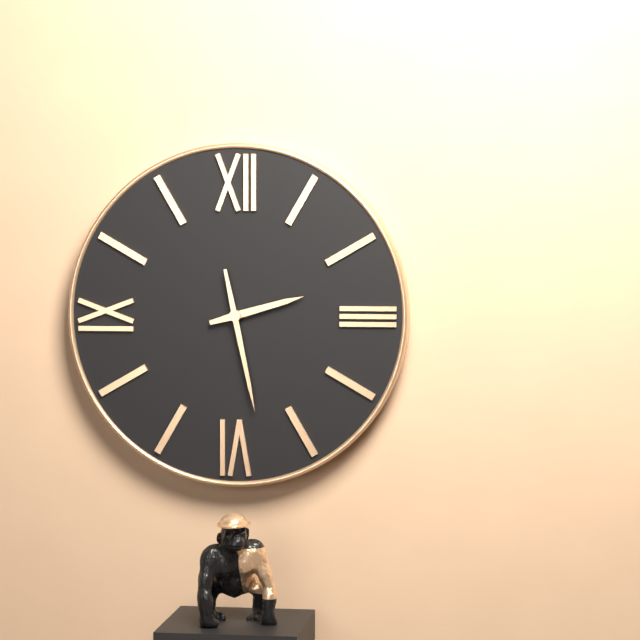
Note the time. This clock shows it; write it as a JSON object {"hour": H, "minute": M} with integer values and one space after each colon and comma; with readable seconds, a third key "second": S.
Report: {"hour": 2, "minute": 28}
